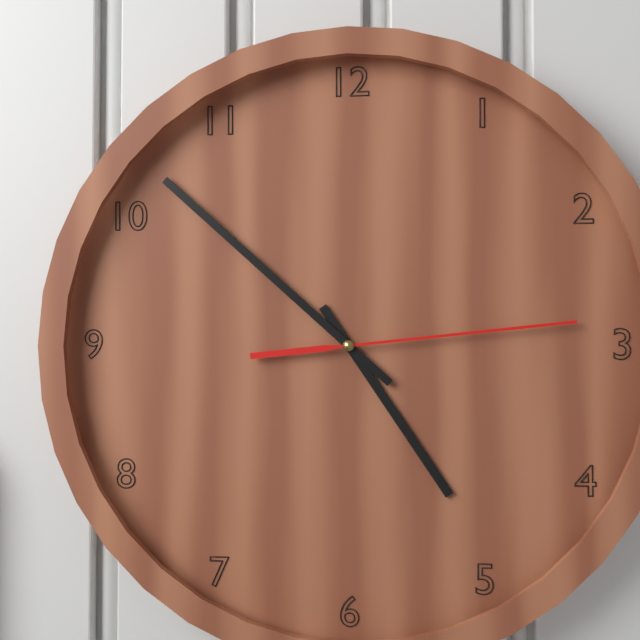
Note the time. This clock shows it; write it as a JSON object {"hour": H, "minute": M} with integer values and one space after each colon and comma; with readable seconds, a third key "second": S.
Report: {"hour": 4, "minute": 52, "second": 14}
